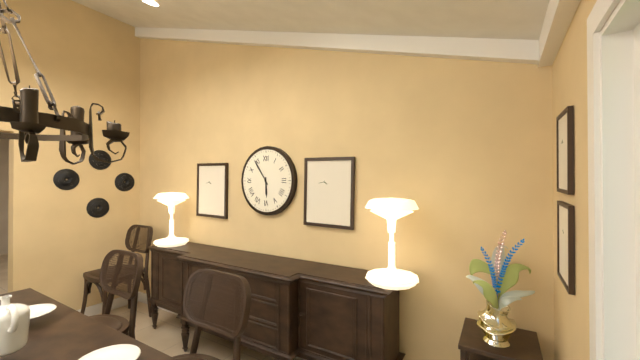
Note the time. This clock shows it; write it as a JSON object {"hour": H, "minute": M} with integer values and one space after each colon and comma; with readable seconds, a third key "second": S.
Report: {"hour": 5, "minute": 54}
